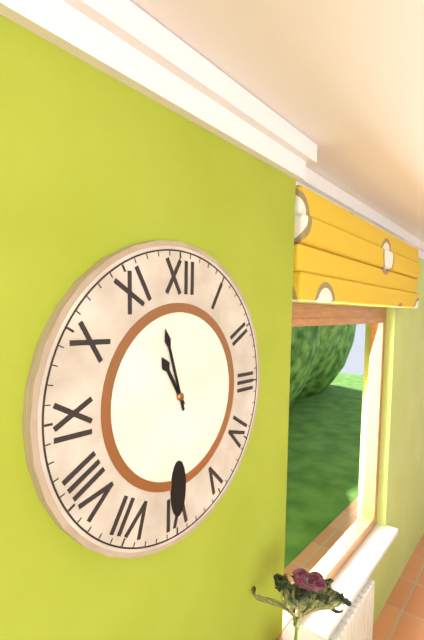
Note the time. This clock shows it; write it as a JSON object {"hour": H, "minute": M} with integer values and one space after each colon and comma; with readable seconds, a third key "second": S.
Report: {"hour": 10, "minute": 57}
